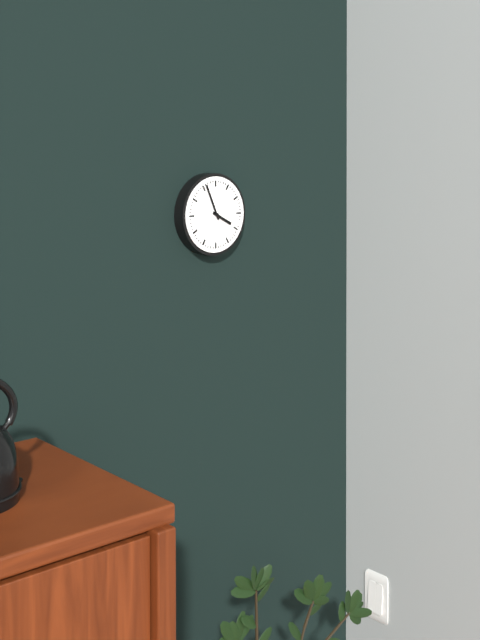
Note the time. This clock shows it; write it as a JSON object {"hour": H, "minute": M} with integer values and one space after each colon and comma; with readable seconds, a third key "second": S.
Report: {"hour": 3, "minute": 56}
